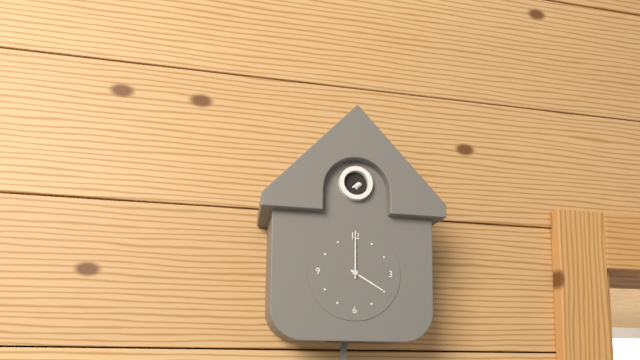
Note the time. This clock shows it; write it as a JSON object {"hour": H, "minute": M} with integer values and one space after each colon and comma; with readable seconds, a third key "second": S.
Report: {"hour": 4, "minute": 0}
